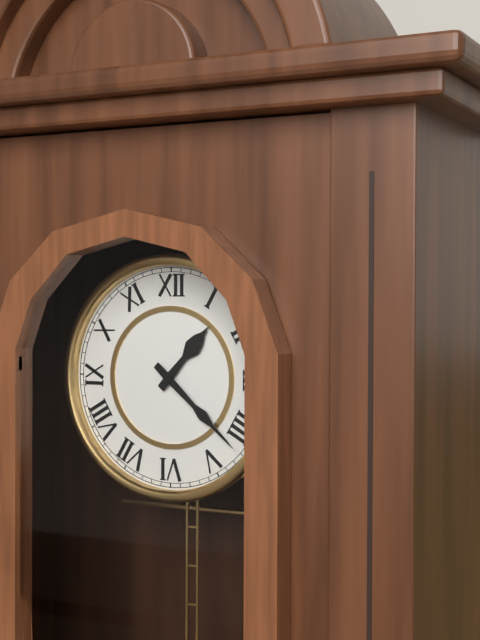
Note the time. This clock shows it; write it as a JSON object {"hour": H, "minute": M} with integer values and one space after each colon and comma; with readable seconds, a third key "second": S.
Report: {"hour": 1, "minute": 22}
